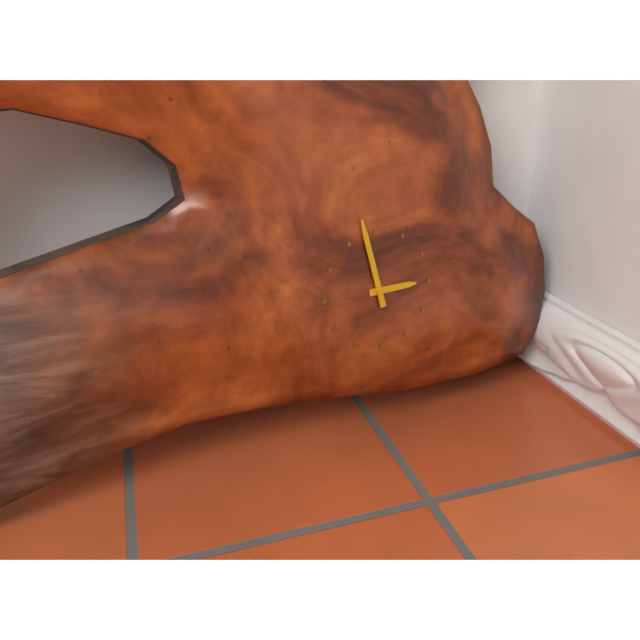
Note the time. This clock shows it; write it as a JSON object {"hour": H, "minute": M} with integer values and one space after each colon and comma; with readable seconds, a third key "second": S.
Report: {"hour": 2, "minute": 58}
